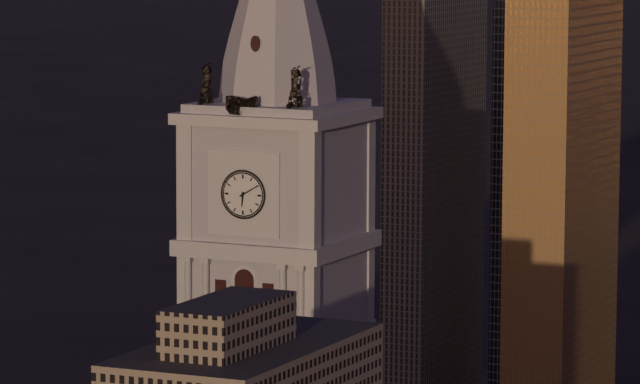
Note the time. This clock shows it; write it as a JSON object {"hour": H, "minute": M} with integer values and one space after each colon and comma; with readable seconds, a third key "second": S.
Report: {"hour": 6, "minute": 10}
